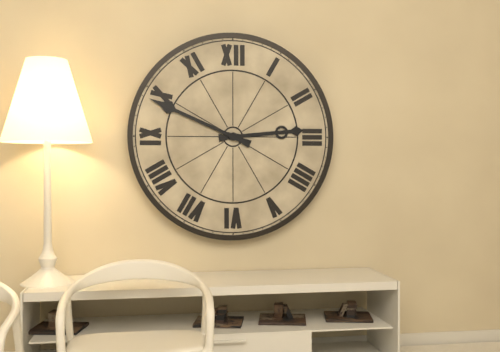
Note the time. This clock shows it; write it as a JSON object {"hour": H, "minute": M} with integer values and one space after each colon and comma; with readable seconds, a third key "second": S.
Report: {"hour": 2, "minute": 49}
